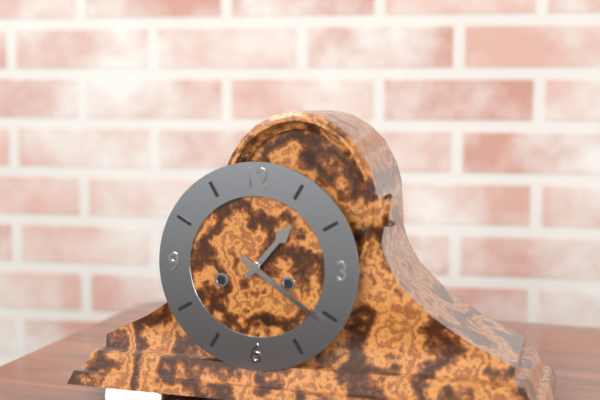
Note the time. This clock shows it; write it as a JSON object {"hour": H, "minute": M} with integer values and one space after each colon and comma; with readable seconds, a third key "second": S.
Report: {"hour": 1, "minute": 21}
